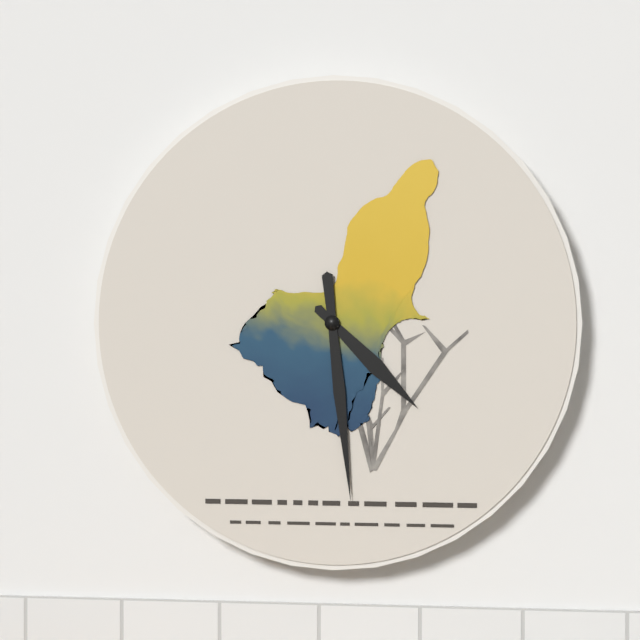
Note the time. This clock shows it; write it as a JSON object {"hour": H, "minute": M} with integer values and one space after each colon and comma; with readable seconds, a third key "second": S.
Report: {"hour": 4, "minute": 29}
